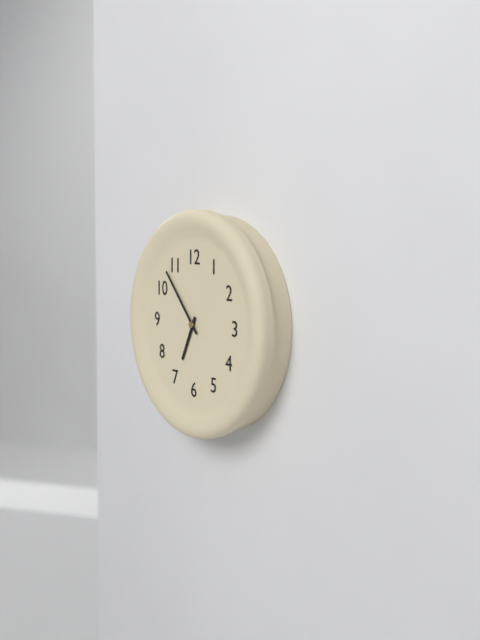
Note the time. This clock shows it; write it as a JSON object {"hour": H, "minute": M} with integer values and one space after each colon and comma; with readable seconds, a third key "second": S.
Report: {"hour": 6, "minute": 53}
